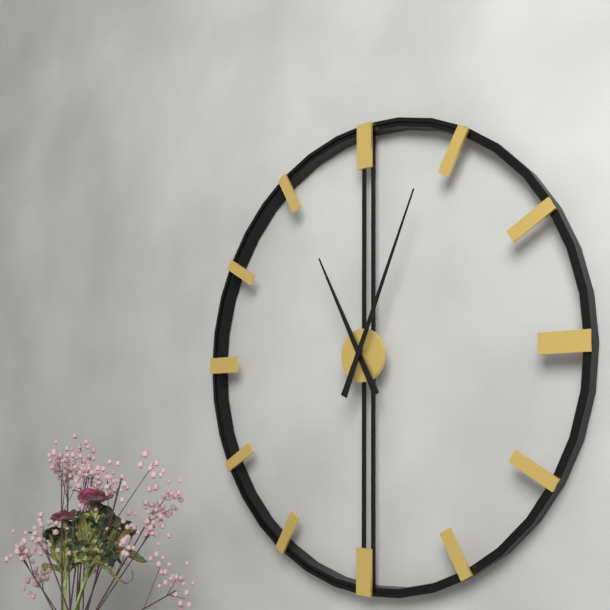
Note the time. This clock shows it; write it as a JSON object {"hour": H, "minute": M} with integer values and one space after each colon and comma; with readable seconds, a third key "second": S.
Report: {"hour": 11, "minute": 4}
